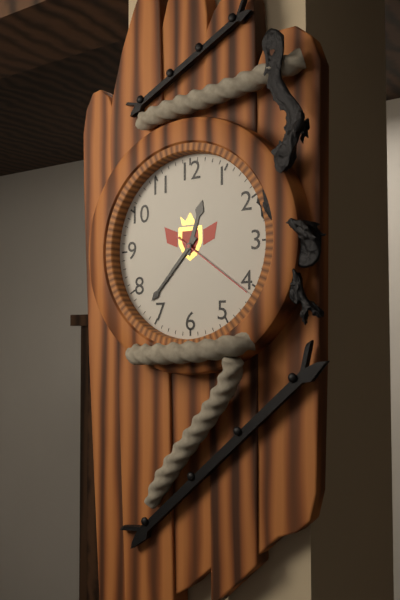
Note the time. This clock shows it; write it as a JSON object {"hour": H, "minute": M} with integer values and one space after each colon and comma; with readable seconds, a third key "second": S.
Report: {"hour": 12, "minute": 37, "second": 21}
